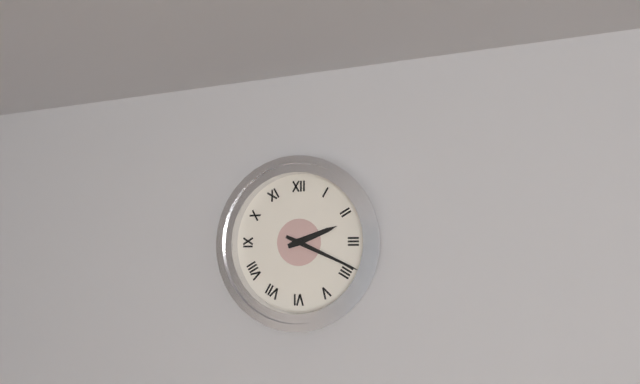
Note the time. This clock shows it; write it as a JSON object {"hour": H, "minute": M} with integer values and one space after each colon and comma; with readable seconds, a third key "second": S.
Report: {"hour": 2, "minute": 19}
